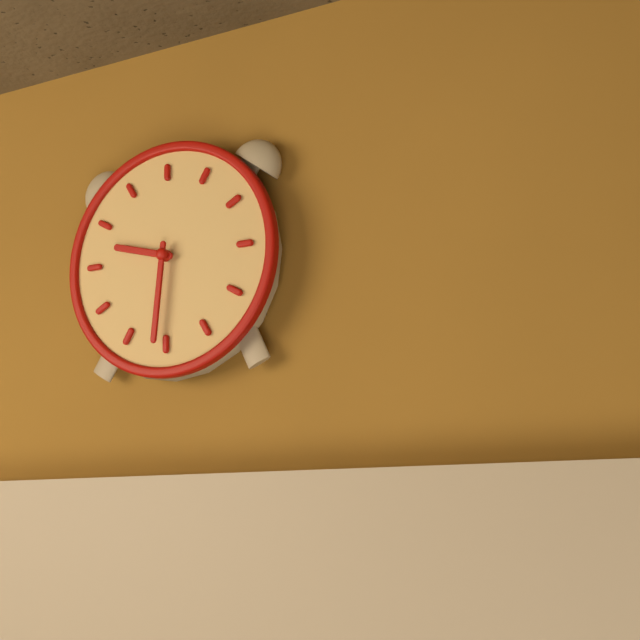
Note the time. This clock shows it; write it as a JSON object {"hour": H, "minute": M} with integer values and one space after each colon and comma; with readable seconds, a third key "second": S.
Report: {"hour": 9, "minute": 31}
